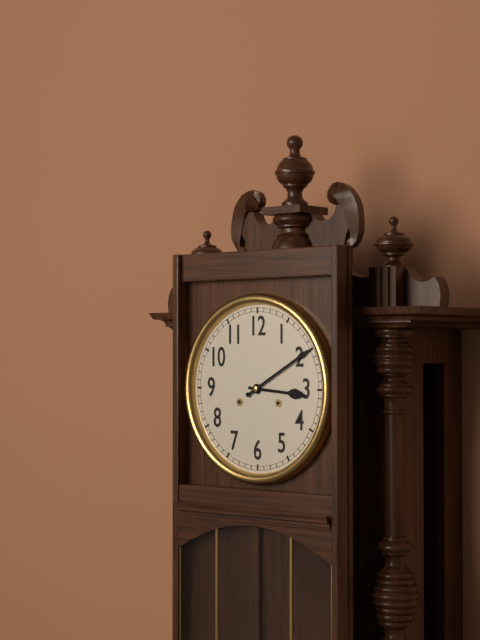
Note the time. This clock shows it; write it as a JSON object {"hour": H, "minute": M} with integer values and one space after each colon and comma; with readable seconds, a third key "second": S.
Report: {"hour": 3, "minute": 10}
